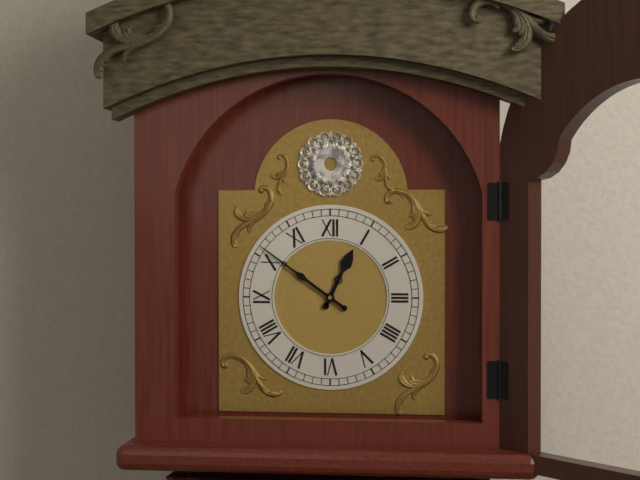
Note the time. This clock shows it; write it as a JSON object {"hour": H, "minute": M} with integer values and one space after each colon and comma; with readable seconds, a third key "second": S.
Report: {"hour": 12, "minute": 51}
